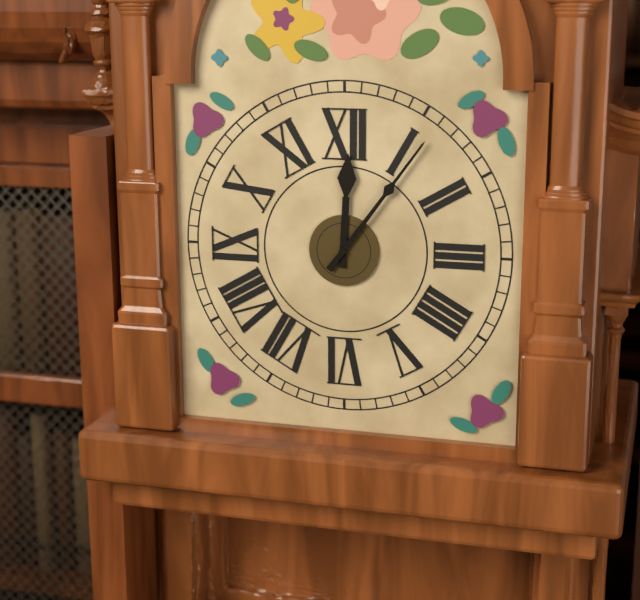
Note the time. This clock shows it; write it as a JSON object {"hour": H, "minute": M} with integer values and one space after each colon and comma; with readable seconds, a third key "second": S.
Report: {"hour": 12, "minute": 6}
